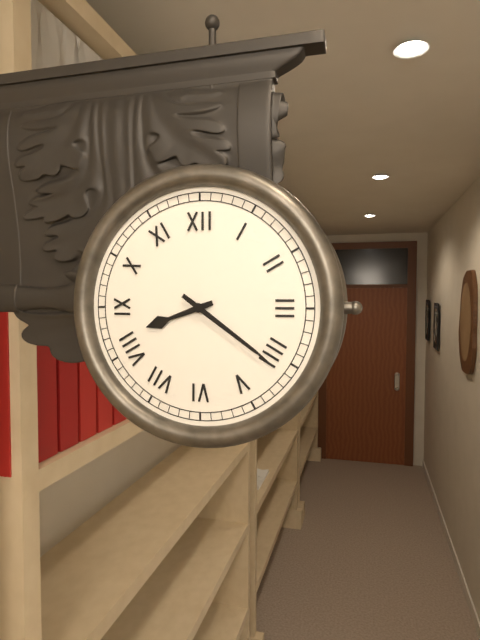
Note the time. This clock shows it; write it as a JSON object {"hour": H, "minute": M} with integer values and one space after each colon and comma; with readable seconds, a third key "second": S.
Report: {"hour": 8, "minute": 21}
